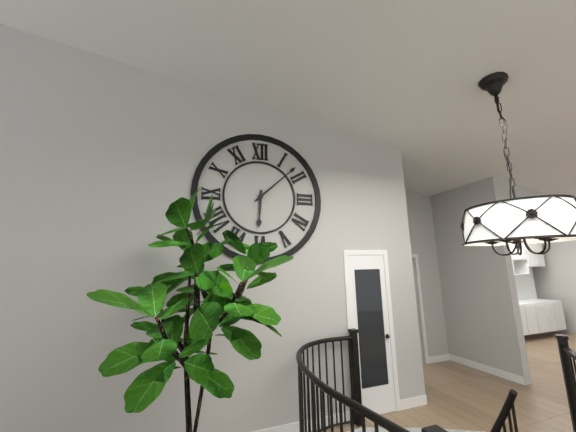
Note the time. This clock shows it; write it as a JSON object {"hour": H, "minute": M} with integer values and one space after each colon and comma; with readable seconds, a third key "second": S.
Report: {"hour": 6, "minute": 8}
